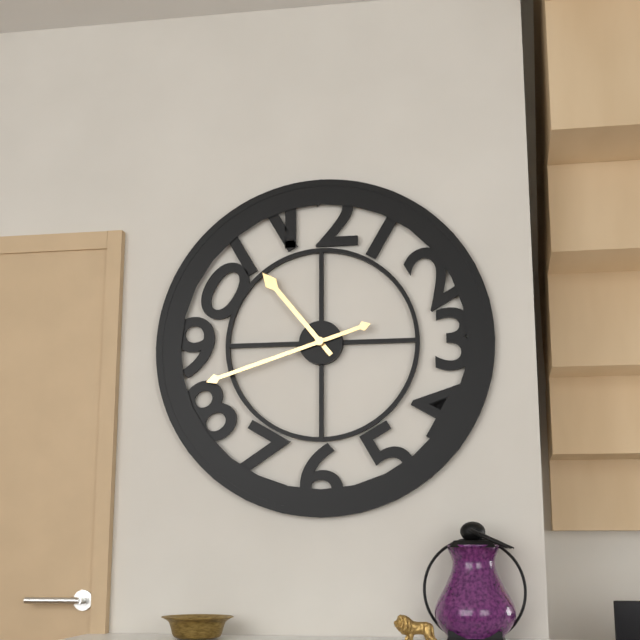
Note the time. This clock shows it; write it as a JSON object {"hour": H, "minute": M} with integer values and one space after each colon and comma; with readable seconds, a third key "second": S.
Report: {"hour": 10, "minute": 42}
